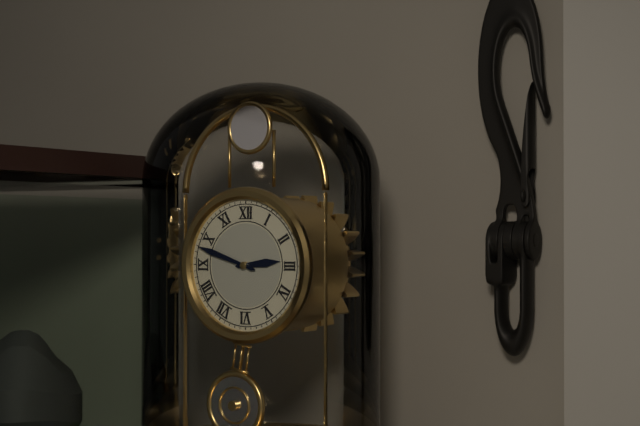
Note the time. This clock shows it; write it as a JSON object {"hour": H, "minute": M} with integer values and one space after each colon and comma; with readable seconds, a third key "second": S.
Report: {"hour": 2, "minute": 48}
